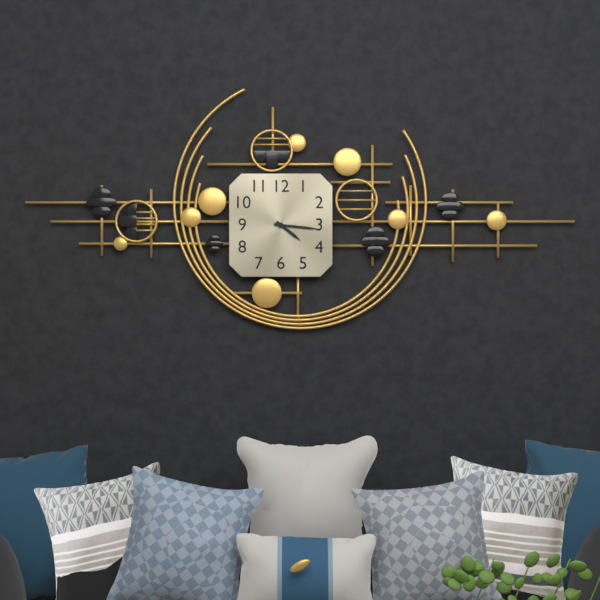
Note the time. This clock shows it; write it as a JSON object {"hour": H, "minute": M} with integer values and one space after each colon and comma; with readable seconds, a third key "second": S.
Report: {"hour": 4, "minute": 16}
